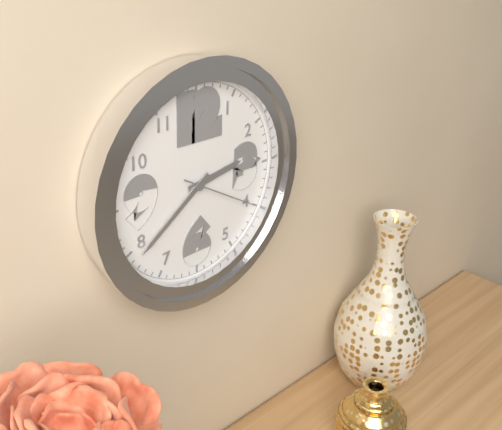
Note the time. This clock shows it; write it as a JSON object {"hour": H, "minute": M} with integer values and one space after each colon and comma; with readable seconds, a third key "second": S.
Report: {"hour": 2, "minute": 39, "second": 20}
